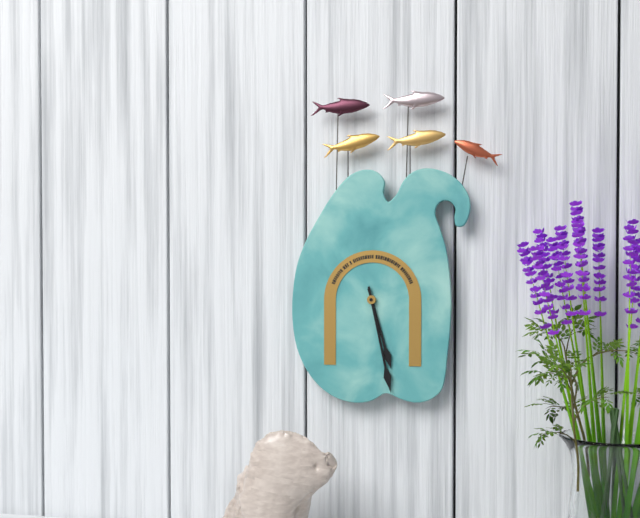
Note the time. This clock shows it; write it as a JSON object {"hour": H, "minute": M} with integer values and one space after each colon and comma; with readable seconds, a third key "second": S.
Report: {"hour": 5, "minute": 28}
